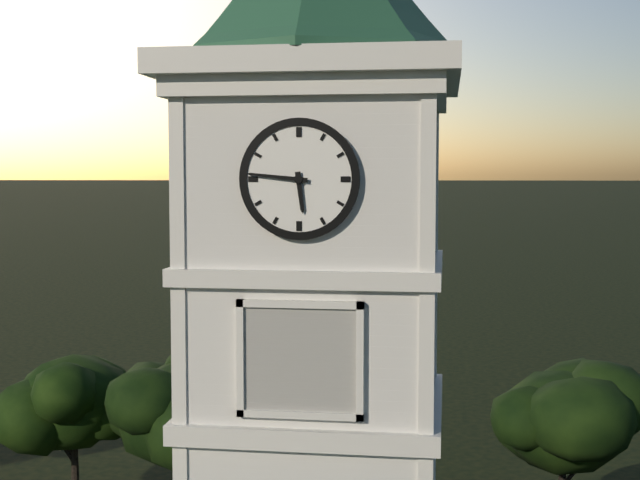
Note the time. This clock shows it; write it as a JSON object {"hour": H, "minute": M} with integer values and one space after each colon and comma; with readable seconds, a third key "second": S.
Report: {"hour": 5, "minute": 46}
